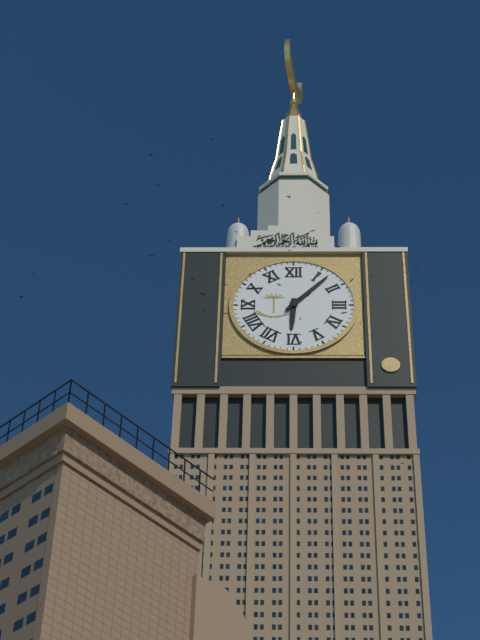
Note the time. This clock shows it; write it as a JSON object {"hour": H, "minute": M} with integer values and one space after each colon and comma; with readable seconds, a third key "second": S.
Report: {"hour": 6, "minute": 7}
